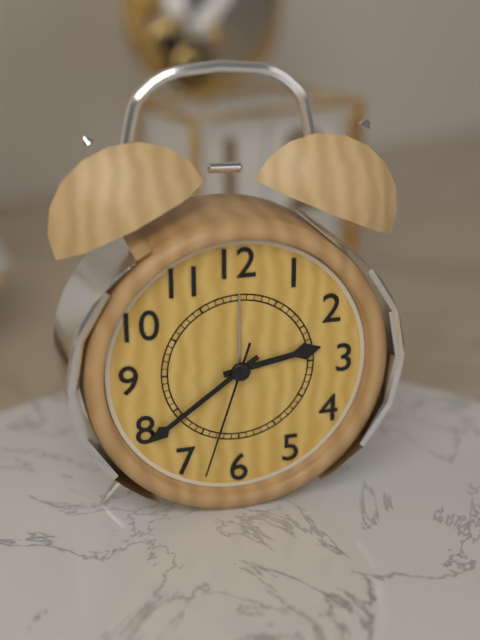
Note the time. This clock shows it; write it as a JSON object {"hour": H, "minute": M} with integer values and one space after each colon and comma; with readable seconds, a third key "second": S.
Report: {"hour": 2, "minute": 39, "second": 33}
